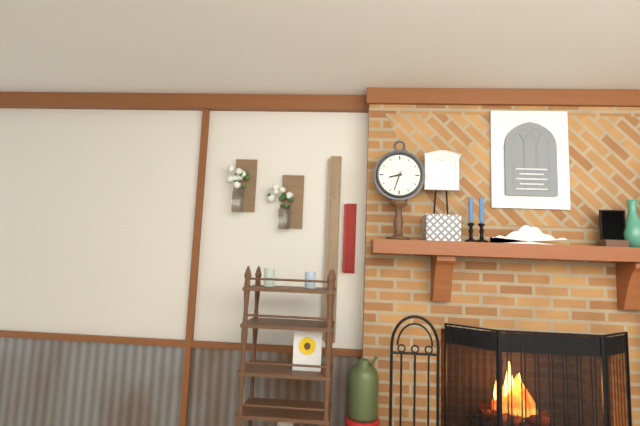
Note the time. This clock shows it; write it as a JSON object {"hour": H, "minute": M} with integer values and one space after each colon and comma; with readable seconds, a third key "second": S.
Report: {"hour": 8, "minute": 33}
